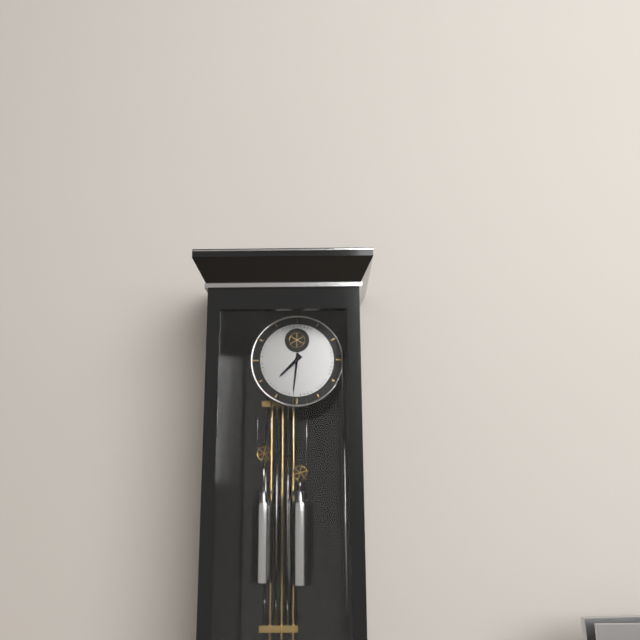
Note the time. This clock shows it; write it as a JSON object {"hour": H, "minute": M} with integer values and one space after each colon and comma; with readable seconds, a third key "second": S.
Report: {"hour": 7, "minute": 31}
